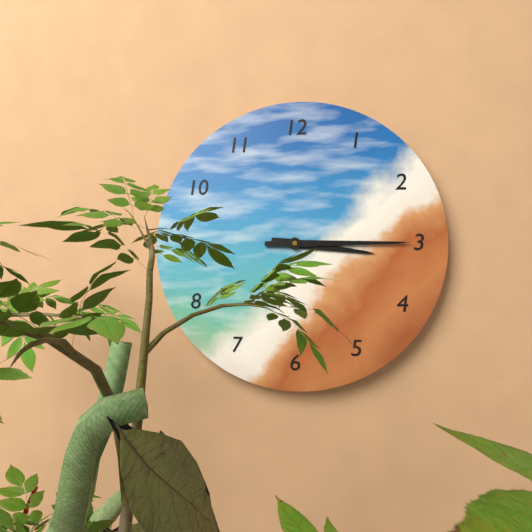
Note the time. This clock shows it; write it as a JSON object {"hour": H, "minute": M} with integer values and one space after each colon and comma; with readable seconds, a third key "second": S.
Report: {"hour": 3, "minute": 15}
